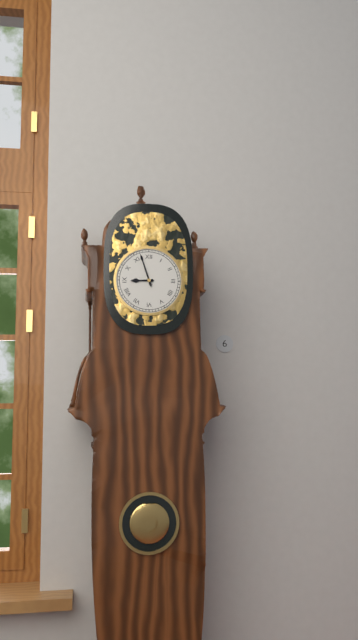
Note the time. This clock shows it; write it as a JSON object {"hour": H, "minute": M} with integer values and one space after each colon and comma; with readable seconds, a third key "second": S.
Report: {"hour": 8, "minute": 57}
